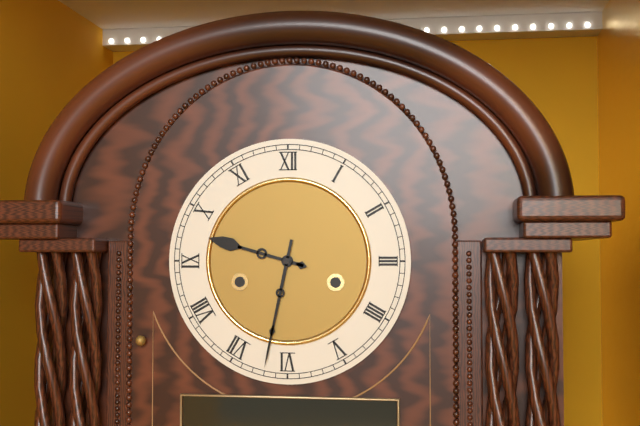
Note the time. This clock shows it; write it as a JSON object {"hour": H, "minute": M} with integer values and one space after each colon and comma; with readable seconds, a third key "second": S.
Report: {"hour": 9, "minute": 32}
